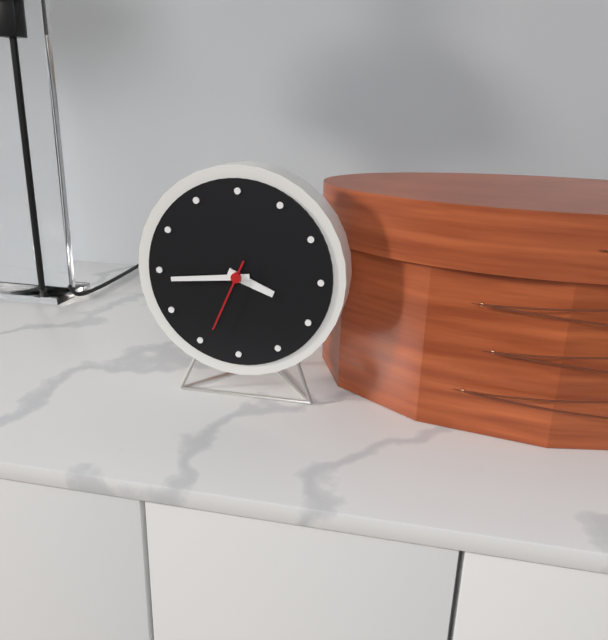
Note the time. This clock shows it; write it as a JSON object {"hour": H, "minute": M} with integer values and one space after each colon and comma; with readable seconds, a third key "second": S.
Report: {"hour": 3, "minute": 44, "second": 34}
